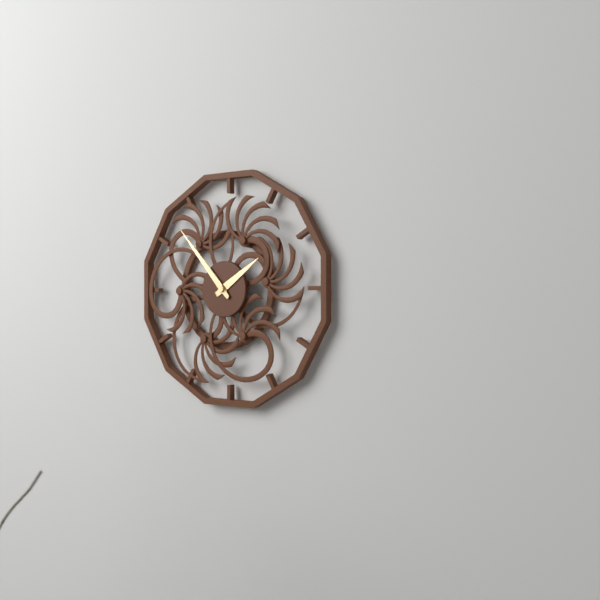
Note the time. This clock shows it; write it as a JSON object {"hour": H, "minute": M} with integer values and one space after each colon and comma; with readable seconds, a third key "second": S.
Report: {"hour": 1, "minute": 53}
